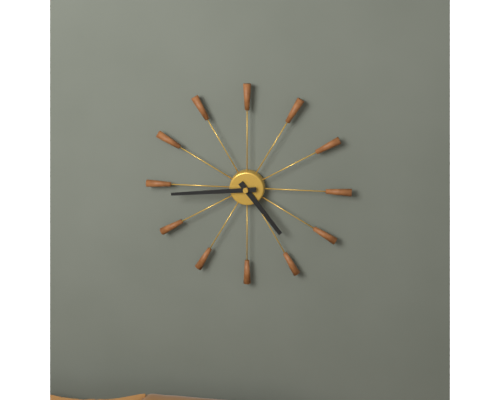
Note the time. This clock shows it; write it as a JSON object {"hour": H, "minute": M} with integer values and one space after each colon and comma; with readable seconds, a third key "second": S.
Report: {"hour": 4, "minute": 44}
